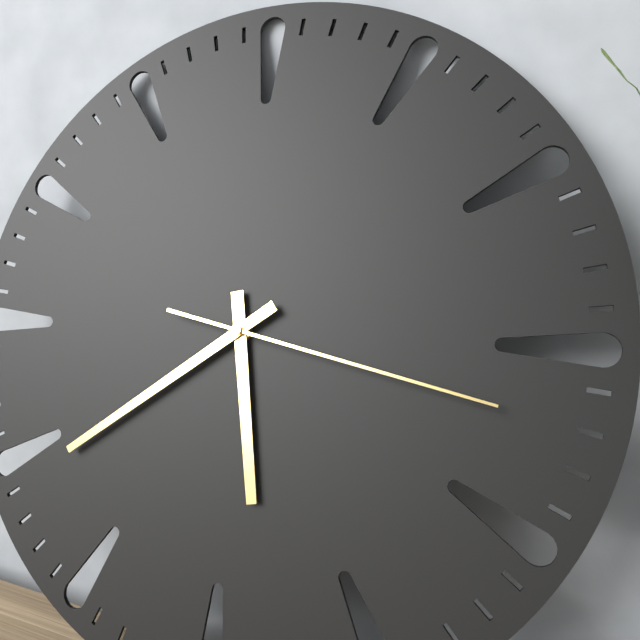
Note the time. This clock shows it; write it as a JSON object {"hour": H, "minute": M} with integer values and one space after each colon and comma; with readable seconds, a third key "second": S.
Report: {"hour": 5, "minute": 39, "second": 17}
